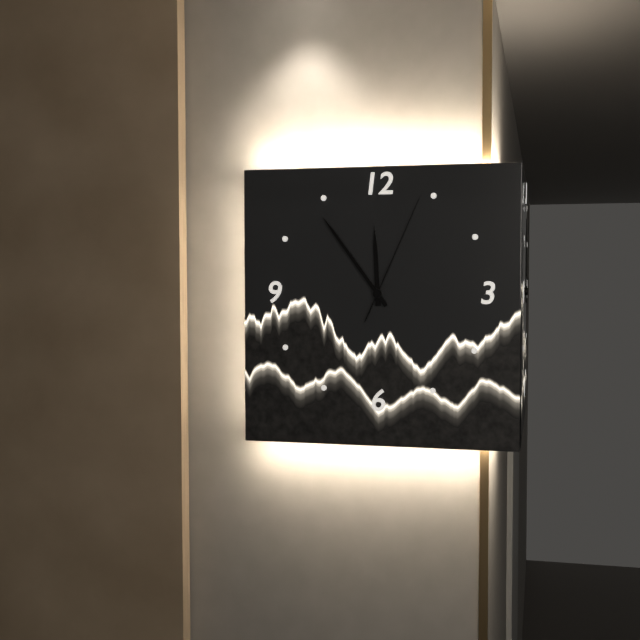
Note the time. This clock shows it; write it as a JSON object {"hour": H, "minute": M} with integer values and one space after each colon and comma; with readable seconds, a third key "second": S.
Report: {"hour": 11, "minute": 54, "second": 4}
